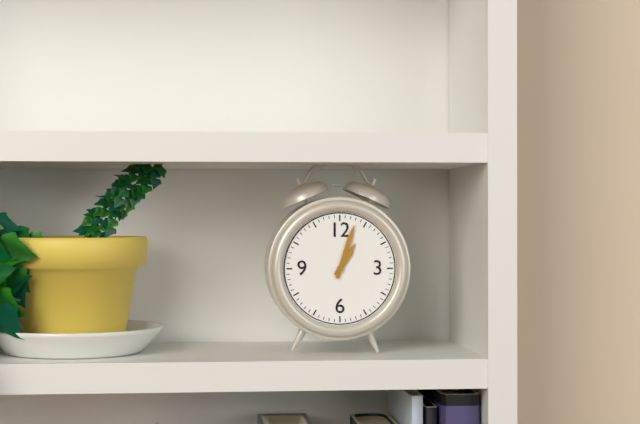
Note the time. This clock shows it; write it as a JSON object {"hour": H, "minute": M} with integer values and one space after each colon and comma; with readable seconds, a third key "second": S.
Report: {"hour": 1, "minute": 3}
